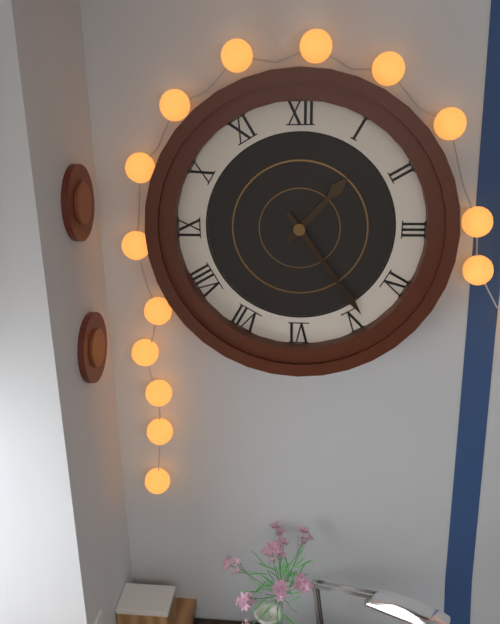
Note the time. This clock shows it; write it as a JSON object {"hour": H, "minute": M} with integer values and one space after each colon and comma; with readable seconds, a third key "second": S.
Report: {"hour": 1, "minute": 24}
